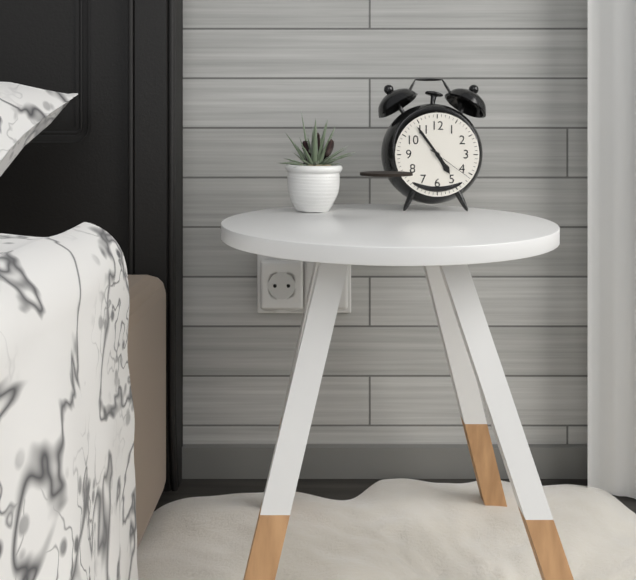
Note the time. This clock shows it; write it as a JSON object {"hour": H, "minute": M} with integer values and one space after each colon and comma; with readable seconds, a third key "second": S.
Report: {"hour": 4, "minute": 54}
